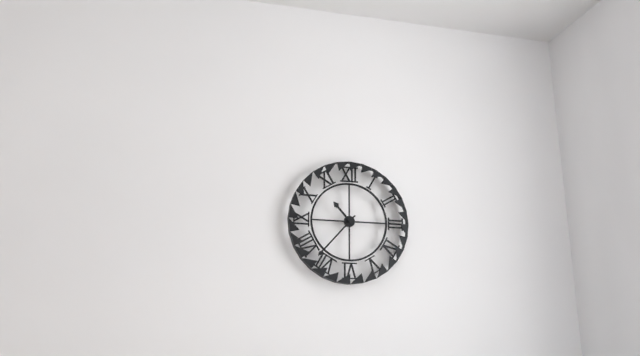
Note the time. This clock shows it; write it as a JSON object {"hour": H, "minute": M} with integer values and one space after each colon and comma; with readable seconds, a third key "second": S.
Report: {"hour": 10, "minute": 37}
